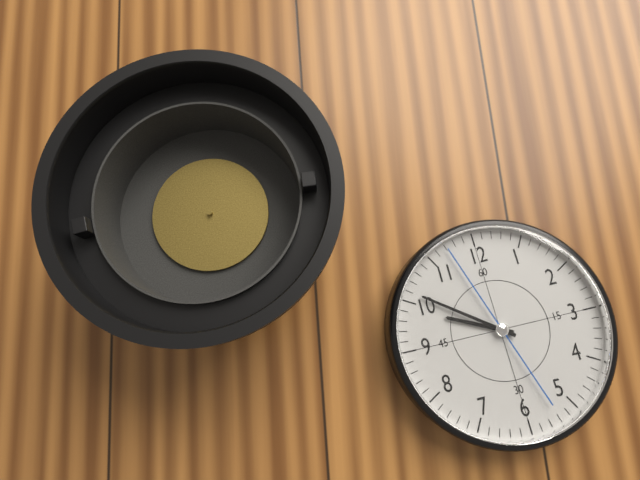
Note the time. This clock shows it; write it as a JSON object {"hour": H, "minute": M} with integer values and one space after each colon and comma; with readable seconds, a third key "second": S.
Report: {"hour": 9, "minute": 51, "second": 57}
